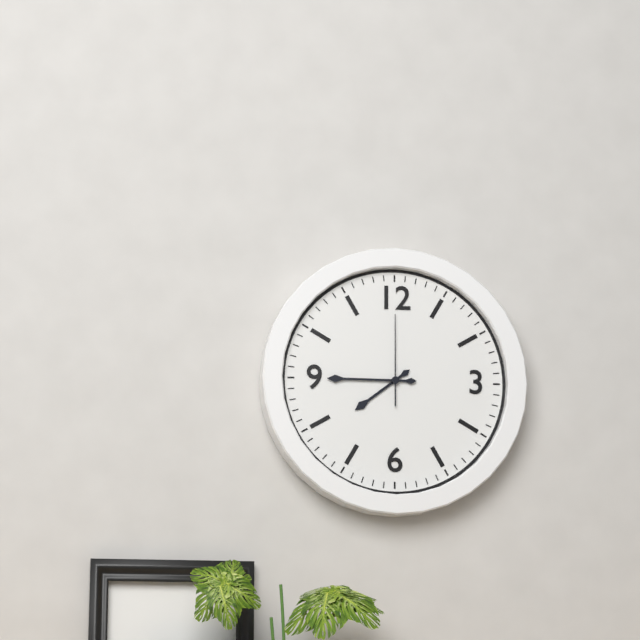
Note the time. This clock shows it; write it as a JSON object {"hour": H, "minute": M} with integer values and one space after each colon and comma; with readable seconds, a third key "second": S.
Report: {"hour": 7, "minute": 45, "second": 0}
